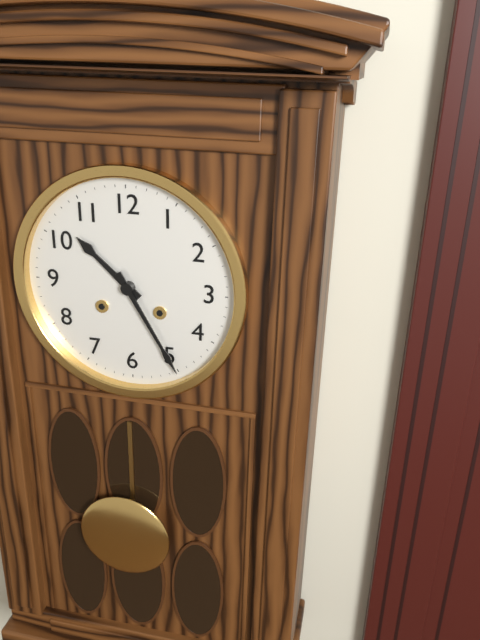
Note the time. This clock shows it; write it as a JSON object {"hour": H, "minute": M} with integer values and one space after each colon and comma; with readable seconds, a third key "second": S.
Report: {"hour": 10, "minute": 25}
